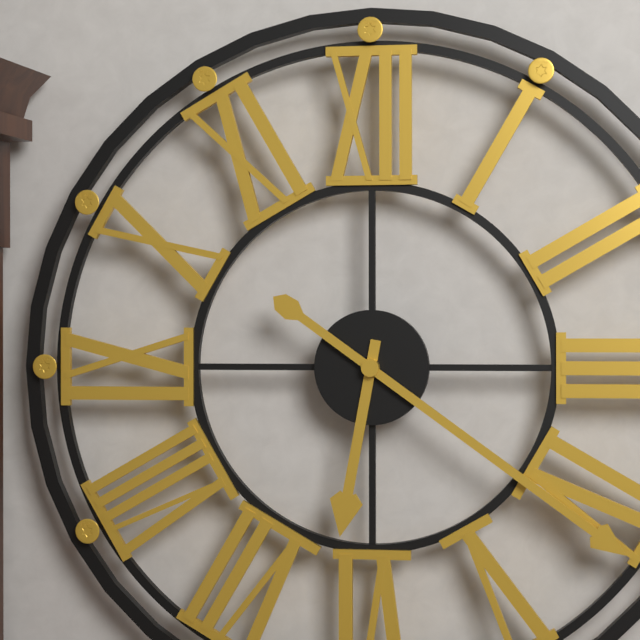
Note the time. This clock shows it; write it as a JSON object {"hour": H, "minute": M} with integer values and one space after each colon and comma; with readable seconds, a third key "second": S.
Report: {"hour": 6, "minute": 21}
